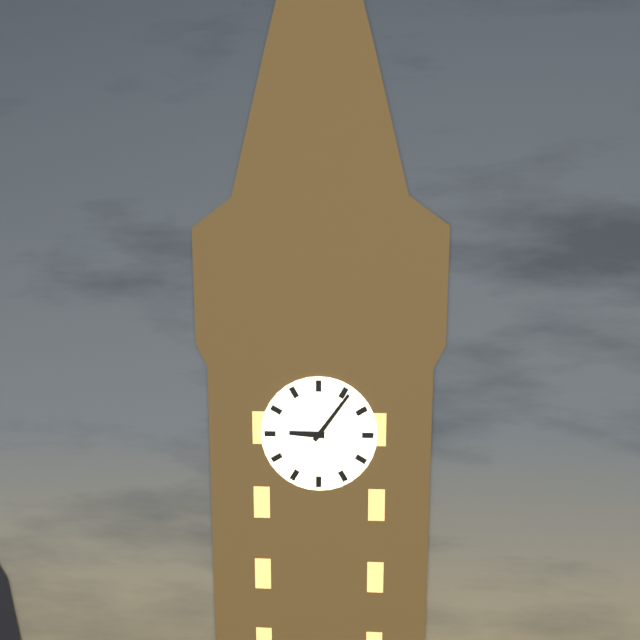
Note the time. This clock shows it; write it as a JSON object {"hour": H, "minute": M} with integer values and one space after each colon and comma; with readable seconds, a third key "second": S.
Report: {"hour": 9, "minute": 6}
